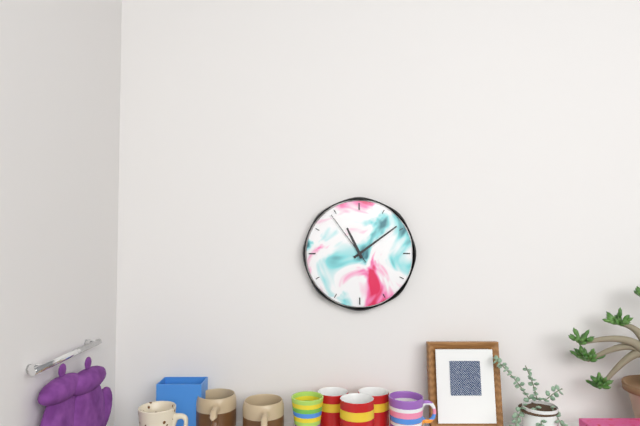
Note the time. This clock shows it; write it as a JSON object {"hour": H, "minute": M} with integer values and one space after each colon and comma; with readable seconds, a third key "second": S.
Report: {"hour": 11, "minute": 9, "second": 54}
